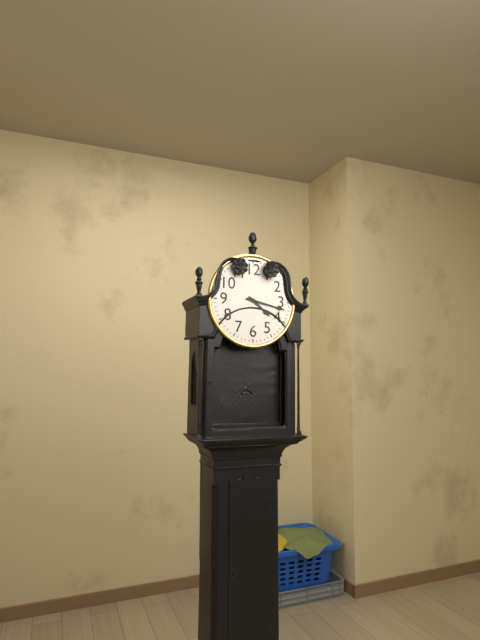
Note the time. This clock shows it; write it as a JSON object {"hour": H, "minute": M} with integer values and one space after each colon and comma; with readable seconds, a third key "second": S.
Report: {"hour": 4, "minute": 17}
